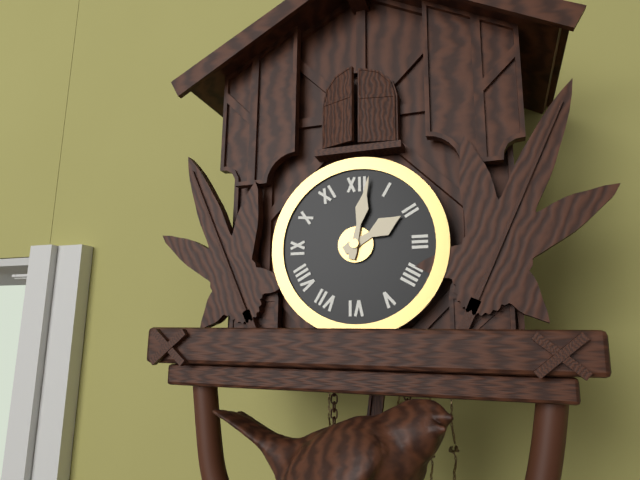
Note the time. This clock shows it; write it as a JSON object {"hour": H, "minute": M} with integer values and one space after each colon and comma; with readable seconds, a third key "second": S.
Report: {"hour": 2, "minute": 2}
